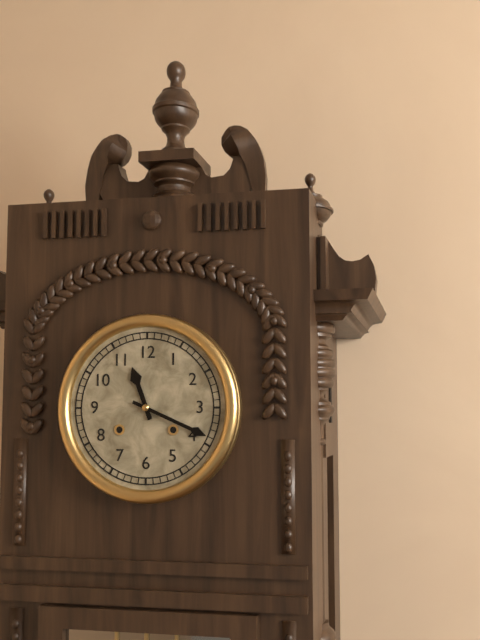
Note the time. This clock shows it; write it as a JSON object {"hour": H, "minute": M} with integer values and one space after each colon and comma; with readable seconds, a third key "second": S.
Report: {"hour": 11, "minute": 19}
